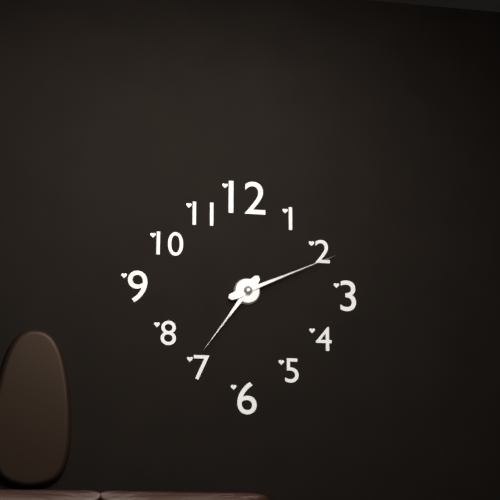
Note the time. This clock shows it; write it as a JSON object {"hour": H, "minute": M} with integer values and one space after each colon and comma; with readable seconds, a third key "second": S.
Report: {"hour": 7, "minute": 11}
